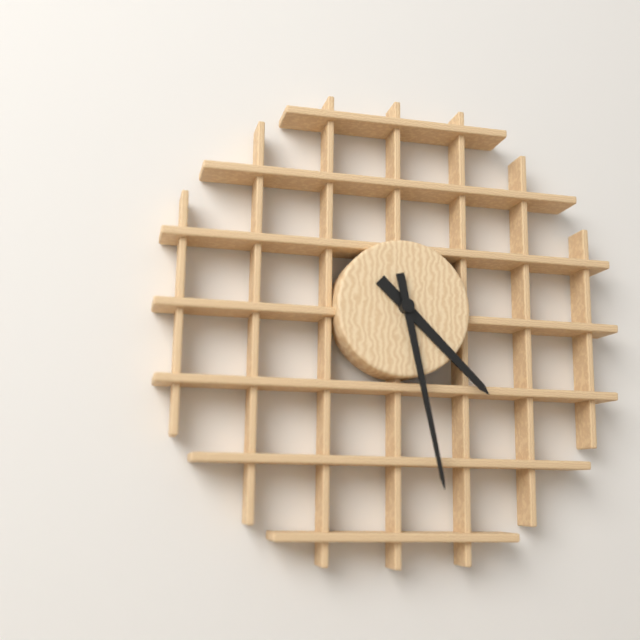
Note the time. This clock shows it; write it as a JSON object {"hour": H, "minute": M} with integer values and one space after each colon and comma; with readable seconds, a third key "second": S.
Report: {"hour": 4, "minute": 28}
